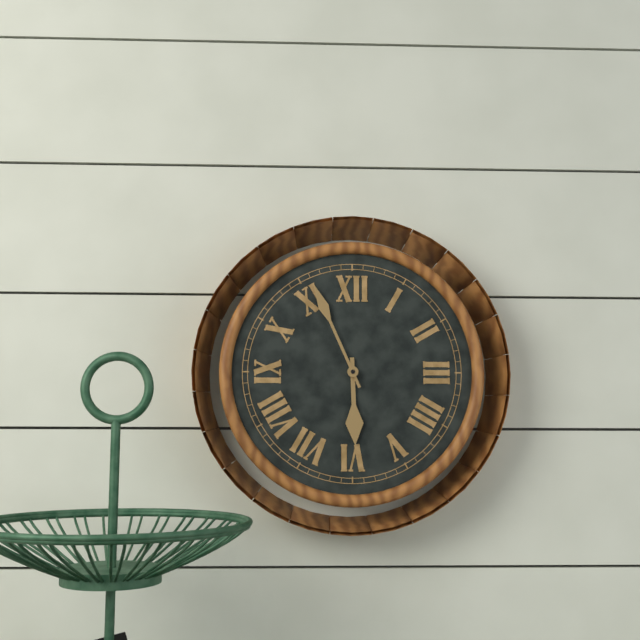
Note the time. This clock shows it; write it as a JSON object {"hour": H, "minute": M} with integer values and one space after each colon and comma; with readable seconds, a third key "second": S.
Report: {"hour": 5, "minute": 56}
